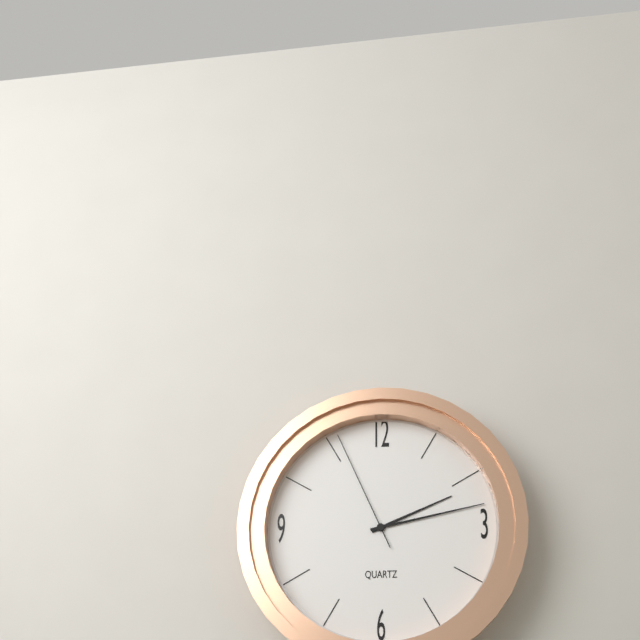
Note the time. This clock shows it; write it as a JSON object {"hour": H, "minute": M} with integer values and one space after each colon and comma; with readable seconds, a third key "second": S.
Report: {"hour": 2, "minute": 13, "second": 56}
